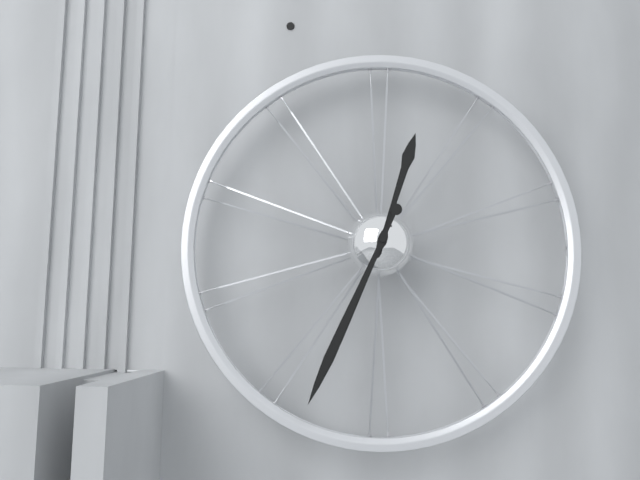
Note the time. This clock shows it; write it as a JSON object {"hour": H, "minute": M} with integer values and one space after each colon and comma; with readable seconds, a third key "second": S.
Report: {"hour": 12, "minute": 34}
